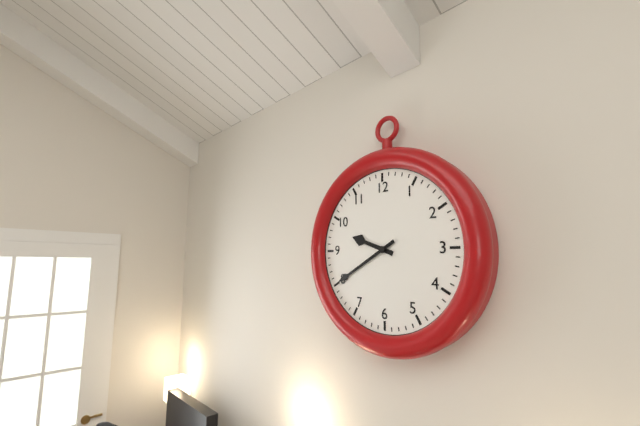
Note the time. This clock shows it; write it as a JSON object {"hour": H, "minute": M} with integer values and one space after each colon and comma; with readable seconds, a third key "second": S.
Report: {"hour": 9, "minute": 40}
